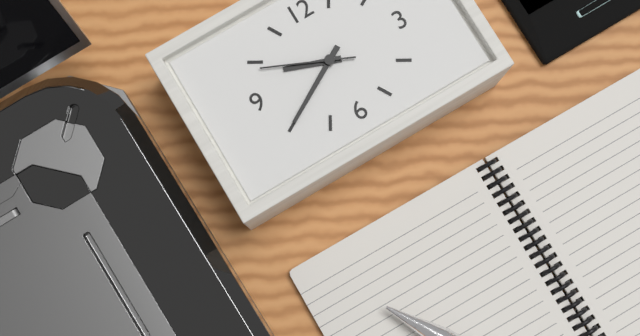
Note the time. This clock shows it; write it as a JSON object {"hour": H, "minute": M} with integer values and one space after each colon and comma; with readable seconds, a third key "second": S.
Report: {"hour": 9, "minute": 40, "second": 49}
